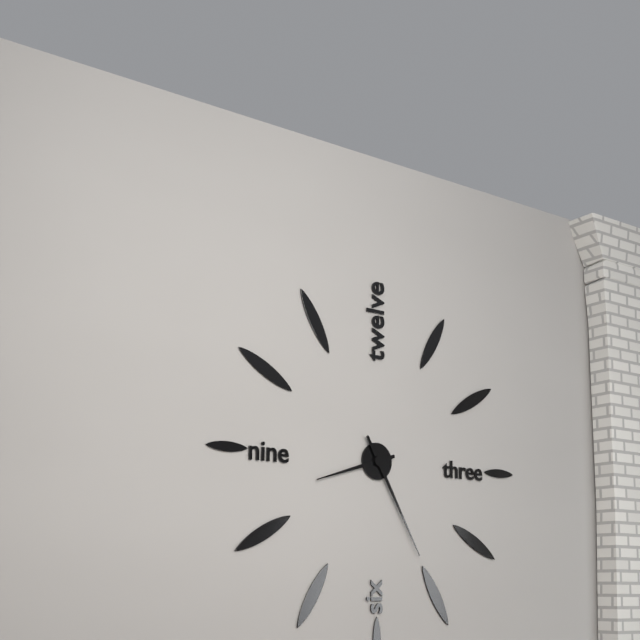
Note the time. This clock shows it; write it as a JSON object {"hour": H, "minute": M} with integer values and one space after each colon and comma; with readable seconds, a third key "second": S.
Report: {"hour": 8, "minute": 25}
